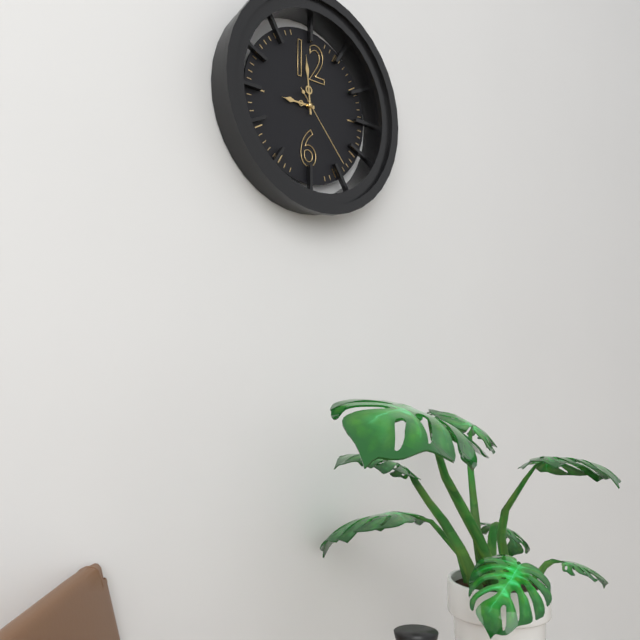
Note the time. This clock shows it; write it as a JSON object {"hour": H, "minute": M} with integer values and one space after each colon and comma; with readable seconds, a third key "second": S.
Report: {"hour": 8, "minute": 59, "second": 23}
